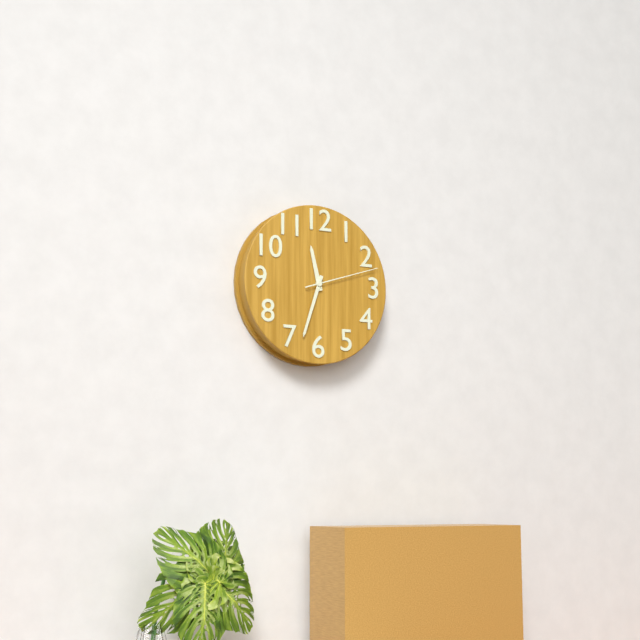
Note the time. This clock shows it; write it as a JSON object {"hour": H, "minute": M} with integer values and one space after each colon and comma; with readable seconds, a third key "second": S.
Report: {"hour": 11, "minute": 33, "second": 12}
